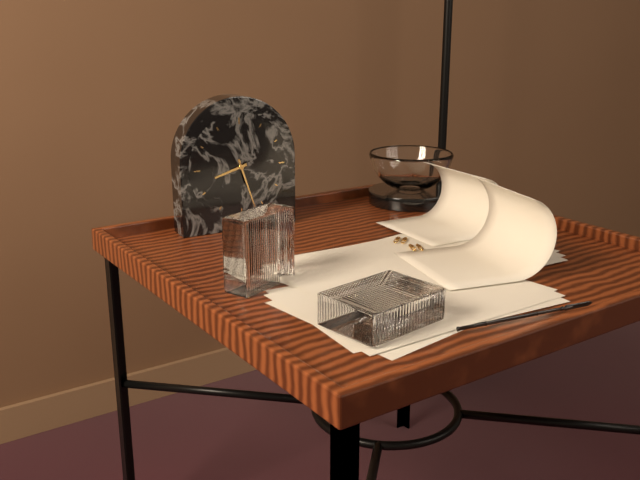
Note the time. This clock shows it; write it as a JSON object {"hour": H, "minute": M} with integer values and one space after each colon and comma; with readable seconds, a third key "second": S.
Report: {"hour": 8, "minute": 27}
